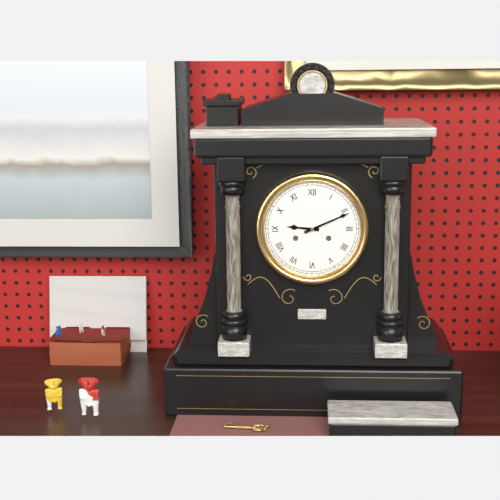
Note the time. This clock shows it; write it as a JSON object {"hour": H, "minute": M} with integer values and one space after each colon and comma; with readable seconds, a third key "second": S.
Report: {"hour": 9, "minute": 11}
